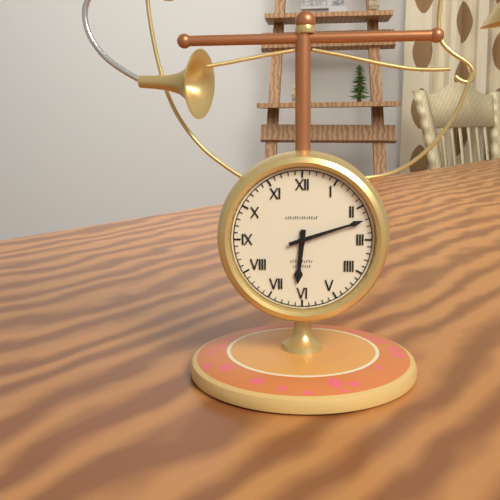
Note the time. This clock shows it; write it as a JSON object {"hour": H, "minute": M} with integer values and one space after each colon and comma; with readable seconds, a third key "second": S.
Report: {"hour": 6, "minute": 12}
